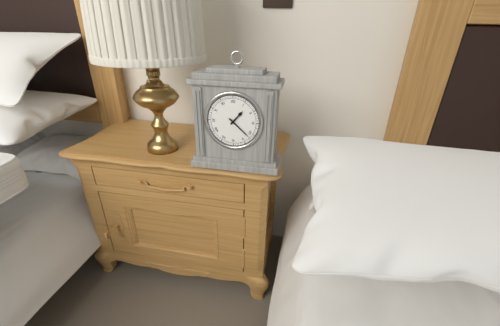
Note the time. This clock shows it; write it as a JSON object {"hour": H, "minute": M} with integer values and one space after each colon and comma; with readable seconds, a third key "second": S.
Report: {"hour": 1, "minute": 22}
